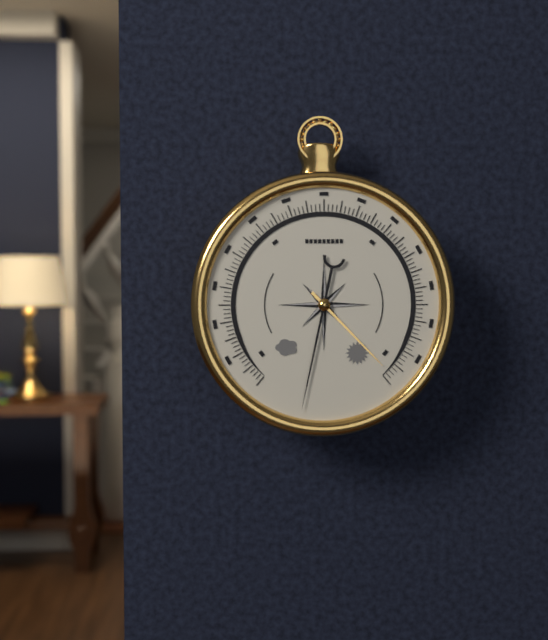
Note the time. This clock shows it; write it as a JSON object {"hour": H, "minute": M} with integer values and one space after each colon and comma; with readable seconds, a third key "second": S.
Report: {"hour": 4, "minute": 32}
